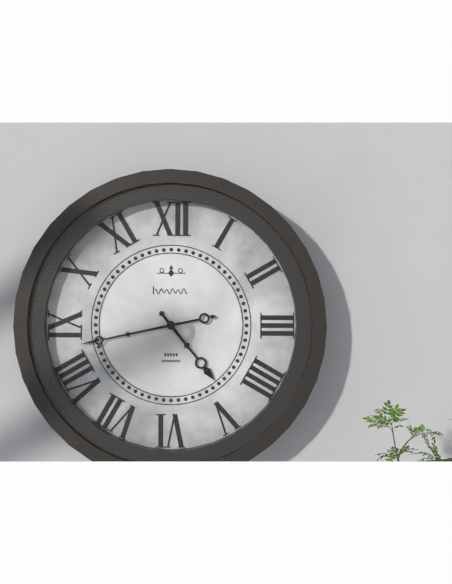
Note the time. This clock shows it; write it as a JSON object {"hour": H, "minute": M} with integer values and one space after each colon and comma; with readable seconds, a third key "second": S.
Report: {"hour": 4, "minute": 43}
